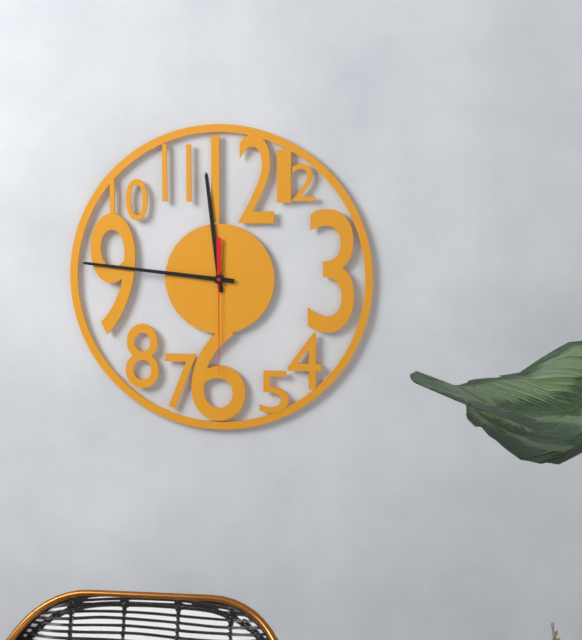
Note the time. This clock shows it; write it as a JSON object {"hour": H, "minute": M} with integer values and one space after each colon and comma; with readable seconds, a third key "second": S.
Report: {"hour": 11, "minute": 46, "second": 30}
